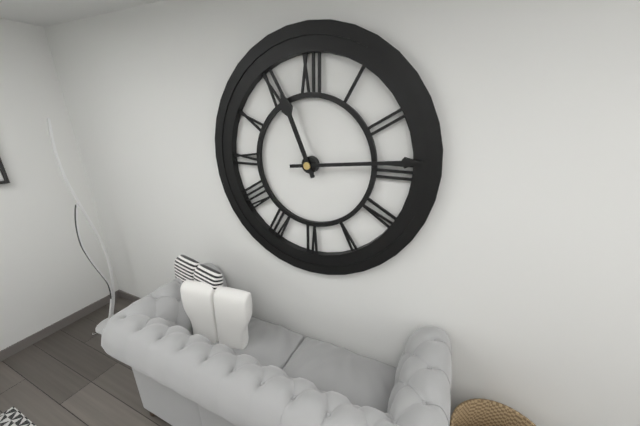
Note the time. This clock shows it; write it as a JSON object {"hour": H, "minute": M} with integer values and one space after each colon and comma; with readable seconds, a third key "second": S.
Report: {"hour": 11, "minute": 14}
